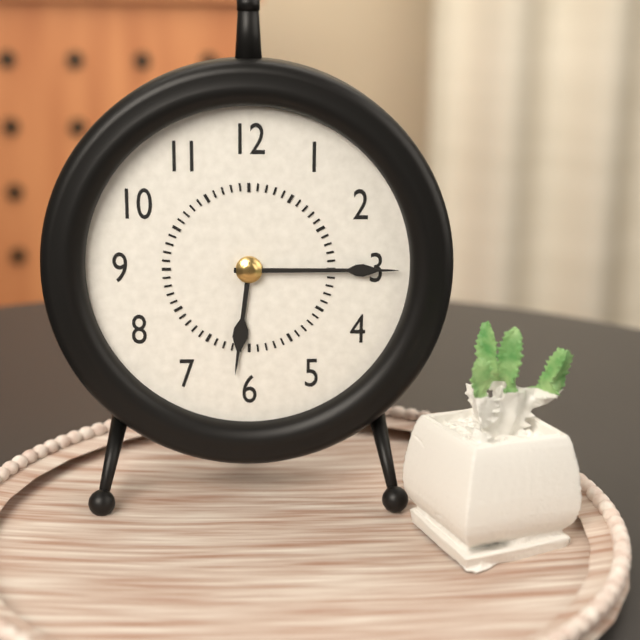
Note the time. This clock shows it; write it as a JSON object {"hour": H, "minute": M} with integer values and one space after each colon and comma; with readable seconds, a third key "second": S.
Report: {"hour": 6, "minute": 15}
